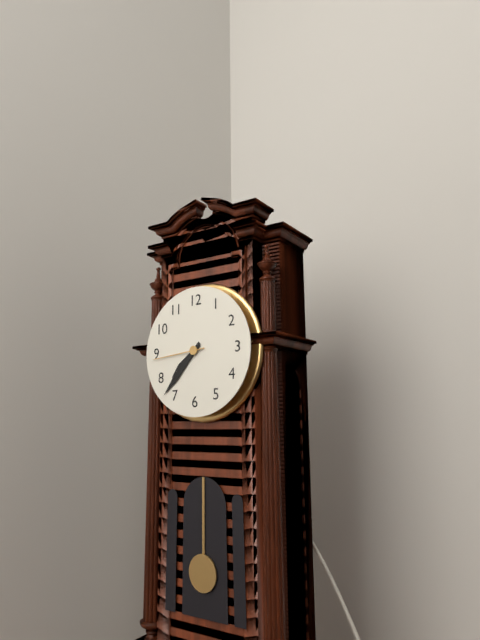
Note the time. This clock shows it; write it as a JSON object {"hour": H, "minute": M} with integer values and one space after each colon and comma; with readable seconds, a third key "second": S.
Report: {"hour": 7, "minute": 37, "second": 44}
